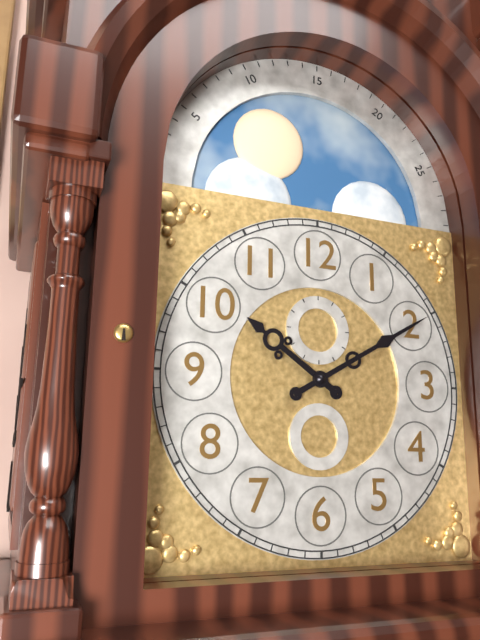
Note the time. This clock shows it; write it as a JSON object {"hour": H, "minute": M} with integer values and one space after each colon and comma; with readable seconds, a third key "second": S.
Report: {"hour": 10, "minute": 10}
